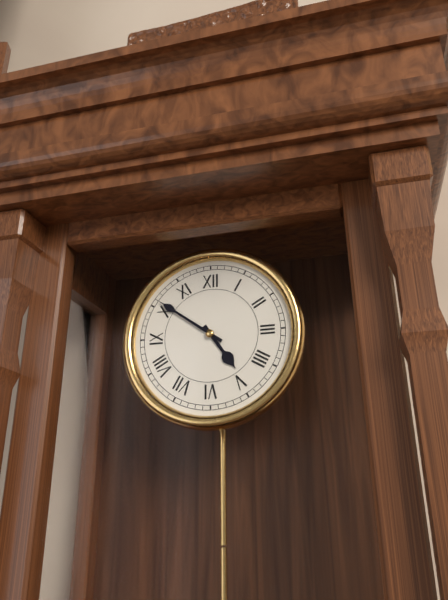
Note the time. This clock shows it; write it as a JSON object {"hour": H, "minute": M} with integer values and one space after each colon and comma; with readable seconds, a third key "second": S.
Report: {"hour": 4, "minute": 51}
